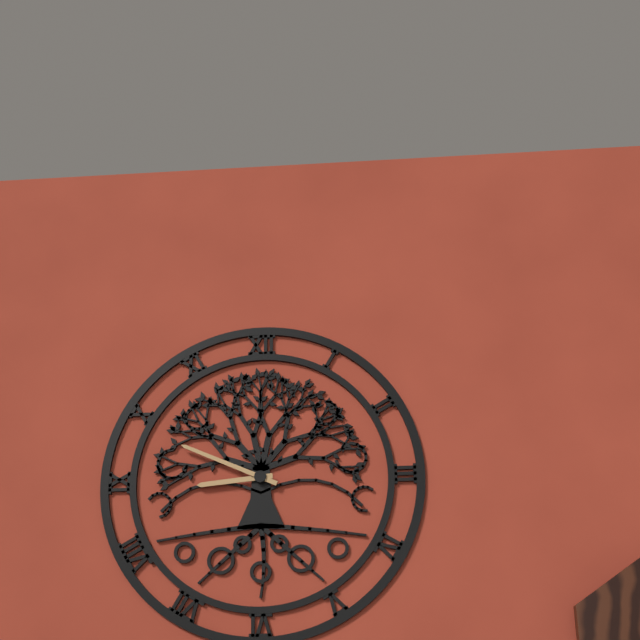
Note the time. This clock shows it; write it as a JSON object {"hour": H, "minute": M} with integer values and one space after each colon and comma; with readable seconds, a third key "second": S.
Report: {"hour": 8, "minute": 49}
